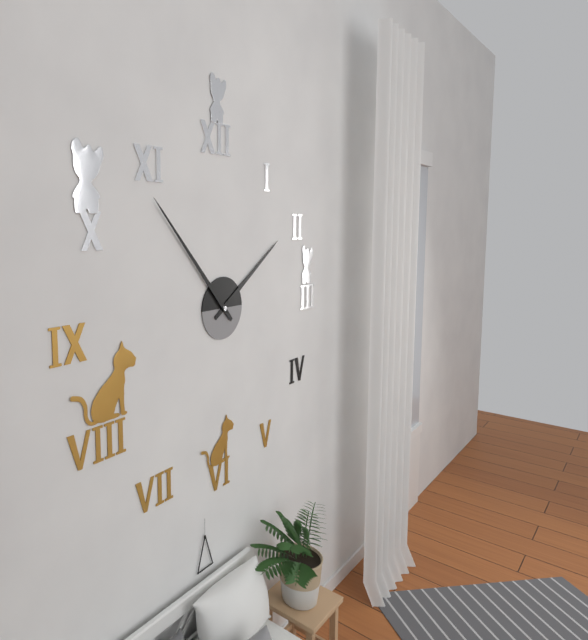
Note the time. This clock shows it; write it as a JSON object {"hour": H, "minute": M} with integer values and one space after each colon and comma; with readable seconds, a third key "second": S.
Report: {"hour": 1, "minute": 53}
